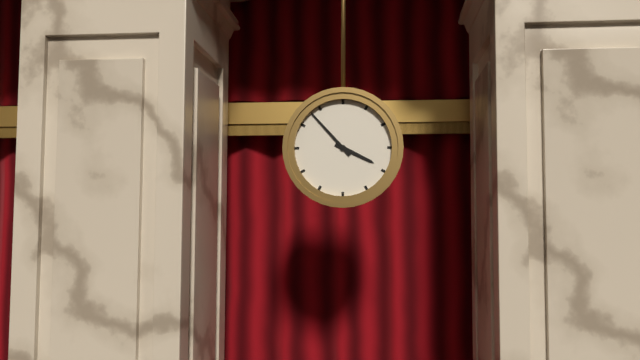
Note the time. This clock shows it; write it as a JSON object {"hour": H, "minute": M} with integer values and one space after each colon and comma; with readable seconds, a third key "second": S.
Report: {"hour": 3, "minute": 53}
